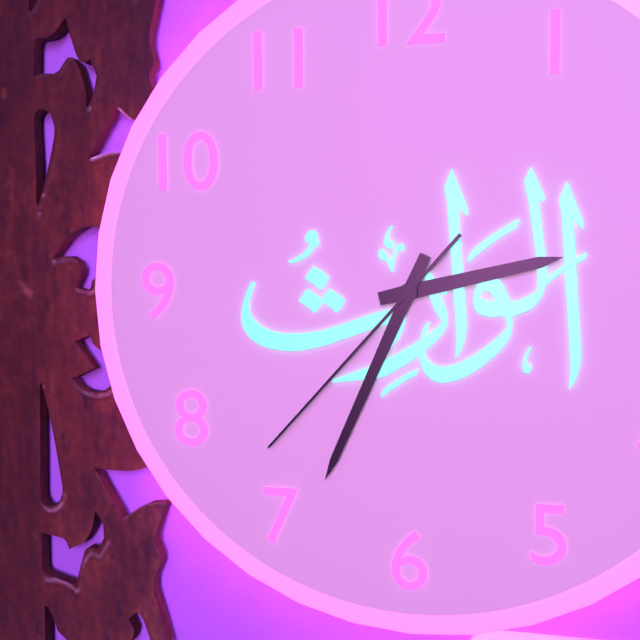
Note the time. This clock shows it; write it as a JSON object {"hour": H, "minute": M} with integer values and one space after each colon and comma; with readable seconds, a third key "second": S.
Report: {"hour": 2, "minute": 34, "second": 37}
